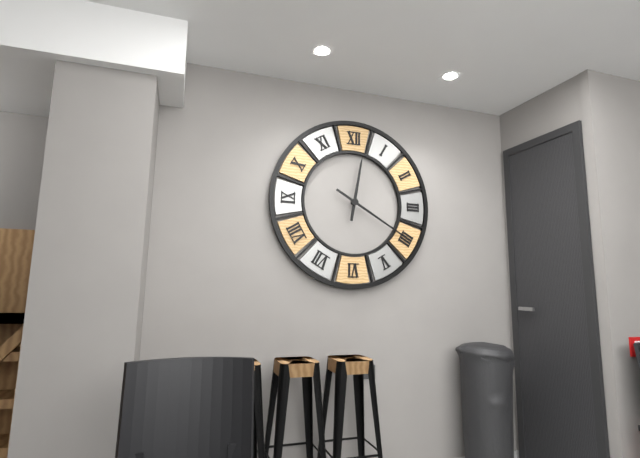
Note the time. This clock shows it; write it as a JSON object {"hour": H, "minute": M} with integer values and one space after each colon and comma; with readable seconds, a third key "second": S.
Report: {"hour": 12, "minute": 20}
